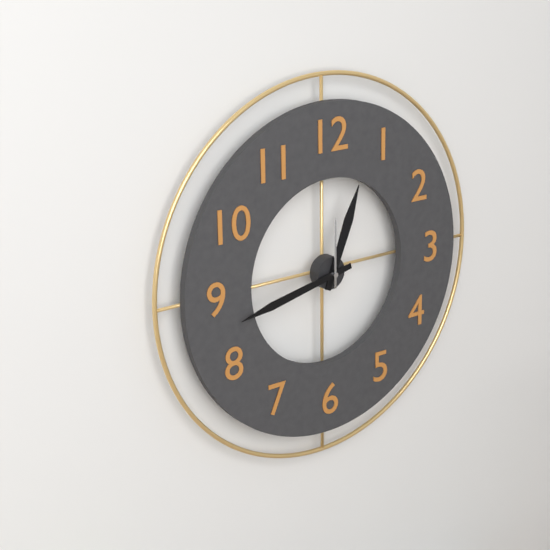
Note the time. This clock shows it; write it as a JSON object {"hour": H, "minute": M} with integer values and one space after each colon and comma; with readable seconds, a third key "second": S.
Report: {"hour": 12, "minute": 43, "second": 0}
